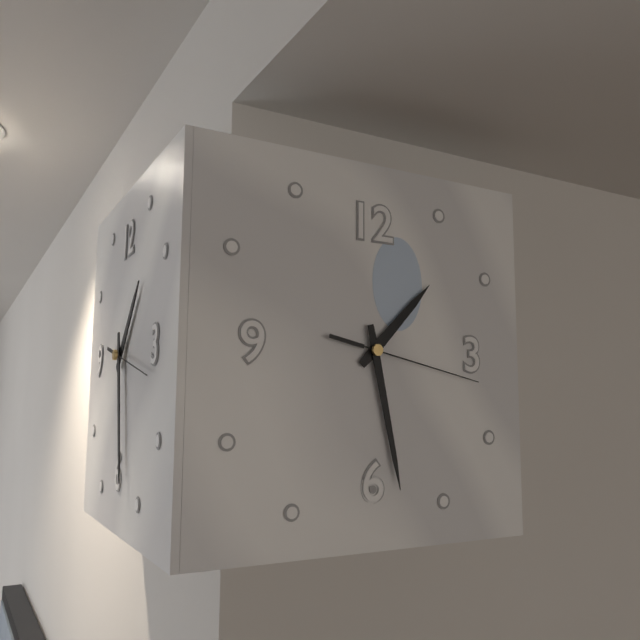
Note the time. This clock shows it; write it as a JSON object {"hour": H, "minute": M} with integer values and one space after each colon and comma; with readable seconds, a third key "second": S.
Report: {"hour": 1, "minute": 28, "second": 17}
